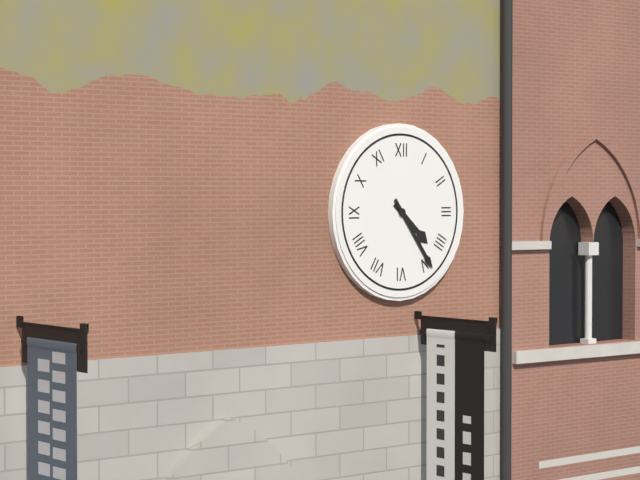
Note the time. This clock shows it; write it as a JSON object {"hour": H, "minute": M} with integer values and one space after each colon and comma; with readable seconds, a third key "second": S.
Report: {"hour": 4, "minute": 24}
